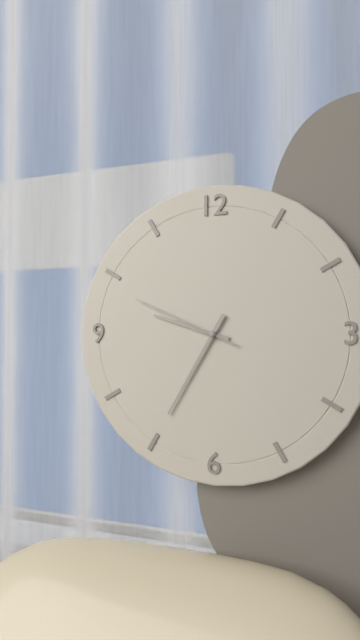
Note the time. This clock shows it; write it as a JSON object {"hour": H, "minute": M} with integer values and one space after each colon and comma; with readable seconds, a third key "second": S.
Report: {"hour": 9, "minute": 35, "second": 49}
